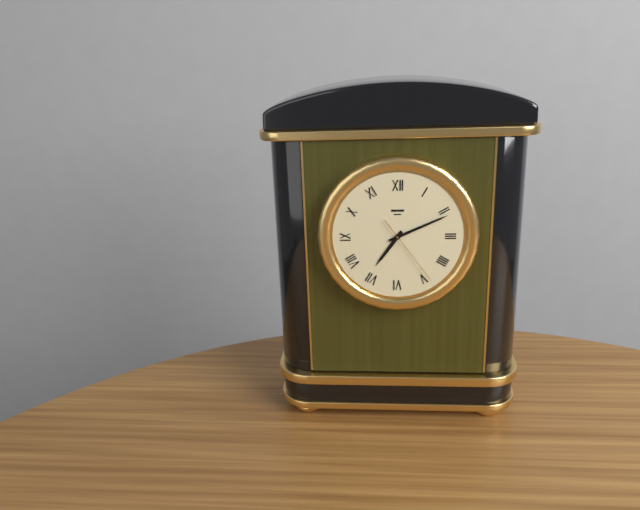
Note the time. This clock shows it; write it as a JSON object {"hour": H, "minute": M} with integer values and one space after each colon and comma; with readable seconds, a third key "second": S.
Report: {"hour": 7, "minute": 11, "second": 24}
